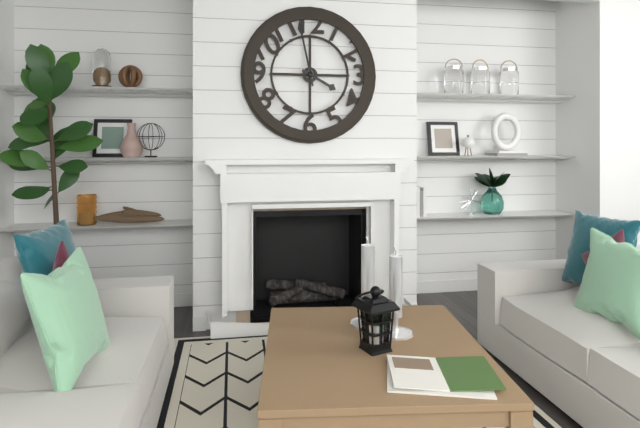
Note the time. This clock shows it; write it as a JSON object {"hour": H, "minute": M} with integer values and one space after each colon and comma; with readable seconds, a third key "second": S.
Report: {"hour": 3, "minute": 58}
